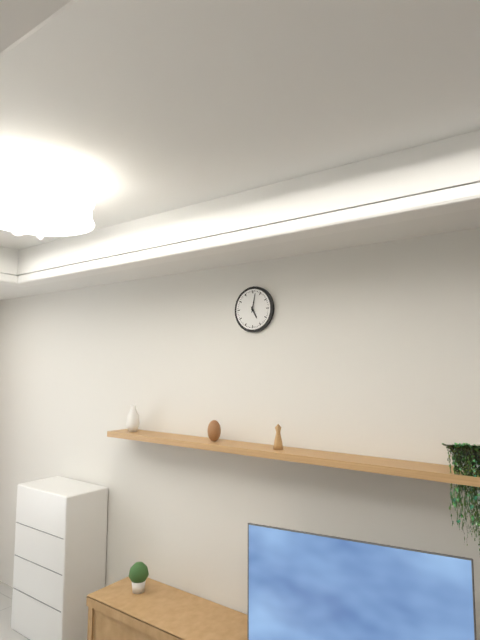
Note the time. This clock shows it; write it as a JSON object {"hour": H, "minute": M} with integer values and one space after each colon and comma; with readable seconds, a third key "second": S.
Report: {"hour": 5, "minute": 2}
